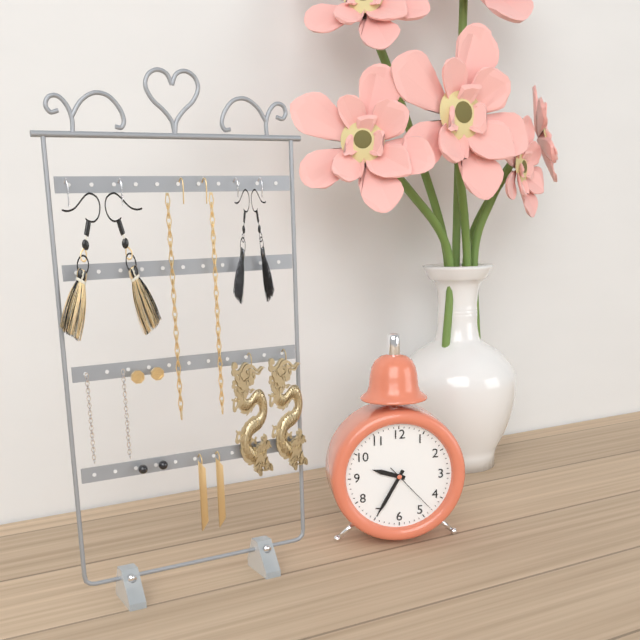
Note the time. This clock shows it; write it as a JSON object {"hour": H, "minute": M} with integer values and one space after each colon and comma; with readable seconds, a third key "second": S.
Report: {"hour": 9, "minute": 35, "second": 23}
